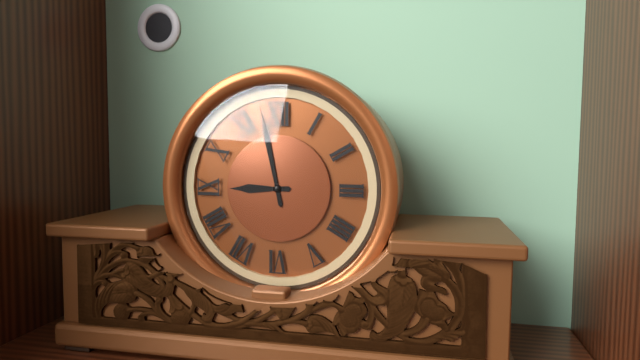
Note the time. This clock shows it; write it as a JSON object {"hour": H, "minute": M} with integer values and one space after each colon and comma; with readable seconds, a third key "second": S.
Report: {"hour": 8, "minute": 58}
